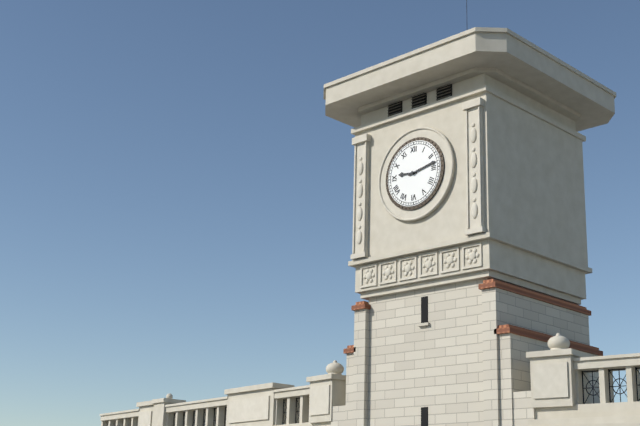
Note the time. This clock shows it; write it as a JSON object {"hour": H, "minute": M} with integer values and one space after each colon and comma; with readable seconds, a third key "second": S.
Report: {"hour": 9, "minute": 13}
